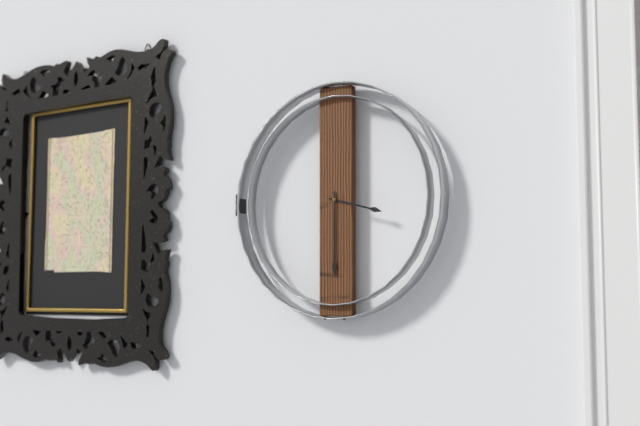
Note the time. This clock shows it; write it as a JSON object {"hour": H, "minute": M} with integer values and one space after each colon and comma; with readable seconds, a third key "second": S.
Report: {"hour": 3, "minute": 30}
